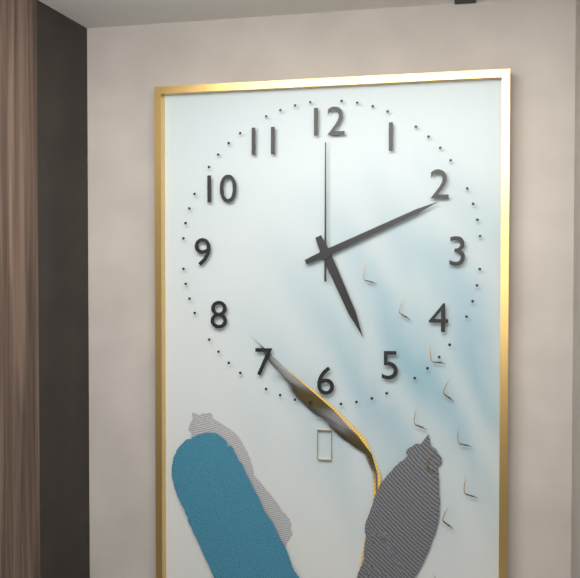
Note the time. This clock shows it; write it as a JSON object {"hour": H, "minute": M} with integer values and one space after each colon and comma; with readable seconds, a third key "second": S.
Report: {"hour": 5, "minute": 11, "second": 0}
